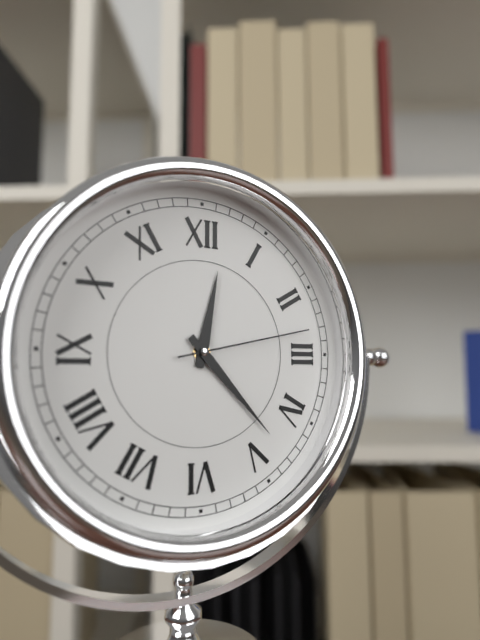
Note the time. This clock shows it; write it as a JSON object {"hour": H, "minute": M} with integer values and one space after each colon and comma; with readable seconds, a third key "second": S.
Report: {"hour": 12, "minute": 23, "second": 13}
